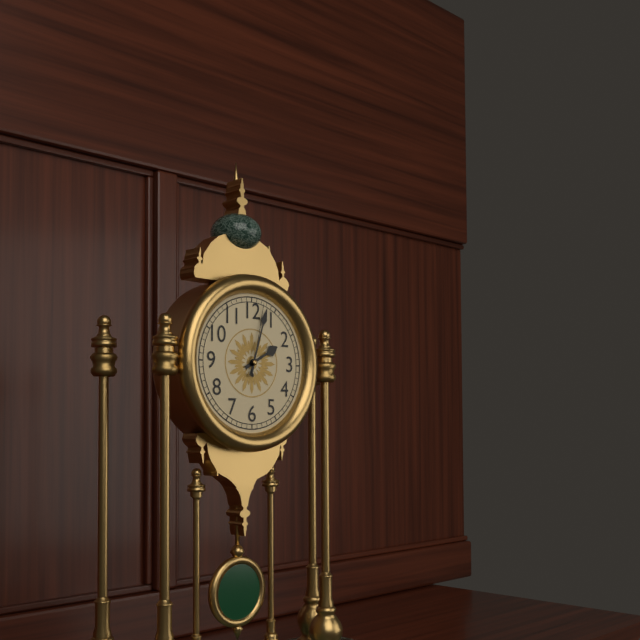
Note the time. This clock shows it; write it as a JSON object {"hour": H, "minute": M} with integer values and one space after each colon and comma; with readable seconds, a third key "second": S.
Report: {"hour": 2, "minute": 3, "second": 2}
